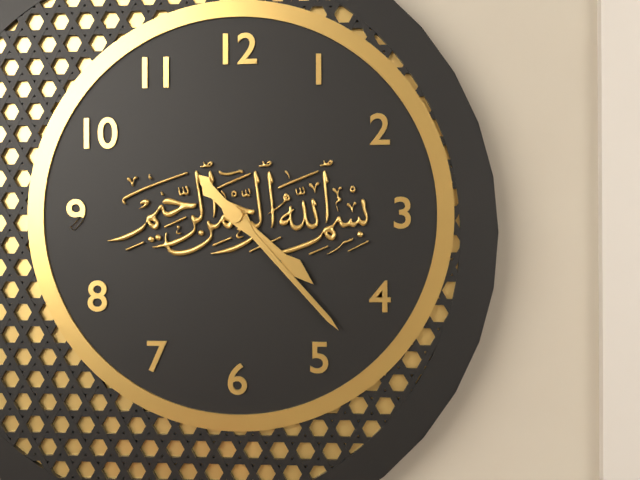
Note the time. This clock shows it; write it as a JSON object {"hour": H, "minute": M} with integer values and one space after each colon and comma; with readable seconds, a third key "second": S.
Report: {"hour": 4, "minute": 23}
